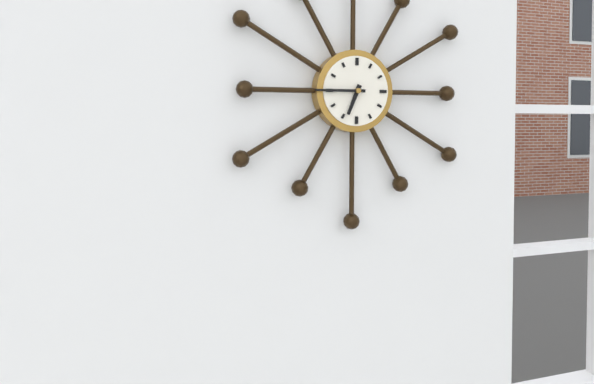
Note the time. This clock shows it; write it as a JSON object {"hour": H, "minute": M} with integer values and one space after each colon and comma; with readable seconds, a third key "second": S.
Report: {"hour": 6, "minute": 45}
